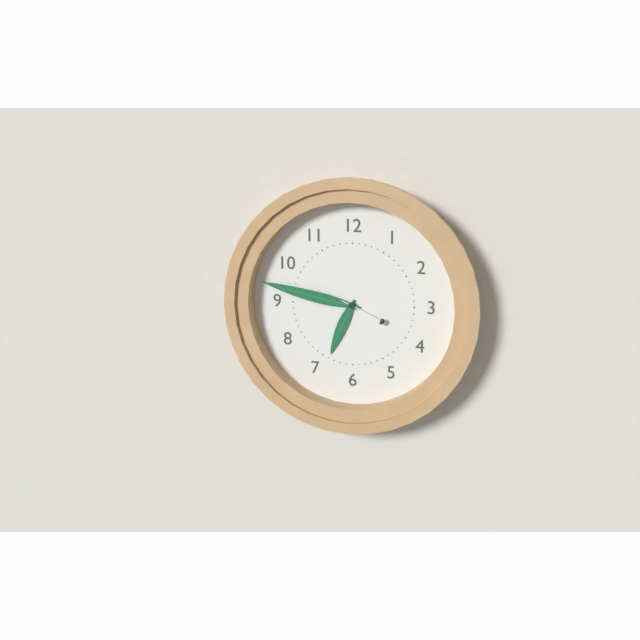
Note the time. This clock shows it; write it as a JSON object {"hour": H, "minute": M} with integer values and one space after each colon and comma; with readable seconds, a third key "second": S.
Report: {"hour": 6, "minute": 47, "second": 19}
